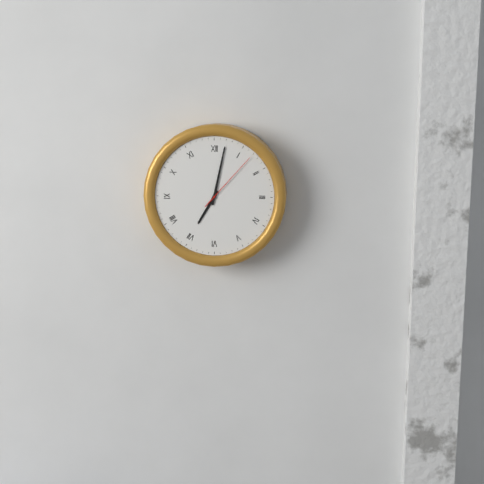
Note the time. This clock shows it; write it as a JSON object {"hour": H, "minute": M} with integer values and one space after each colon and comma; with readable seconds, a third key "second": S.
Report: {"hour": 7, "minute": 2, "second": 7}
